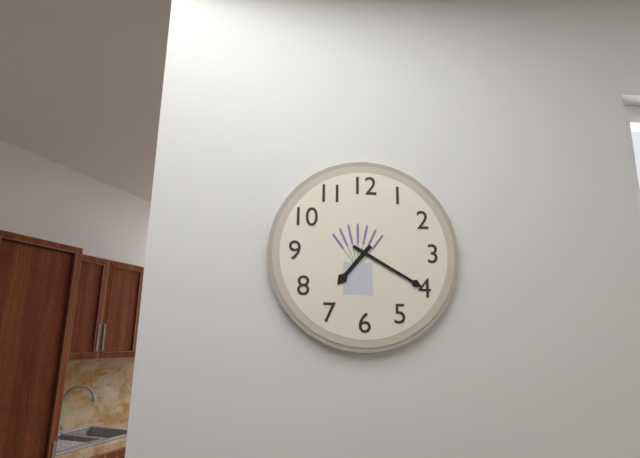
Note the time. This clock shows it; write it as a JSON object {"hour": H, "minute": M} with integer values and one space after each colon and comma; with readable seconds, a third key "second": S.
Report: {"hour": 7, "minute": 20}
